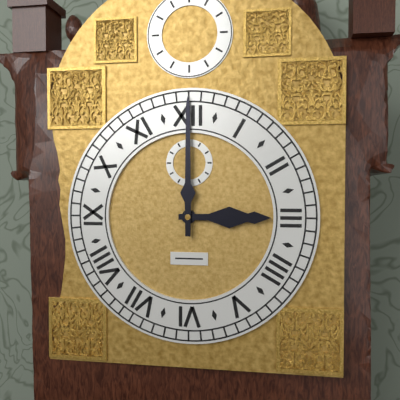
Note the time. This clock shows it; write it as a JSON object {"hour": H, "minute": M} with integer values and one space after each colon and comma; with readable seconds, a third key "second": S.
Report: {"hour": 3, "minute": 0}
